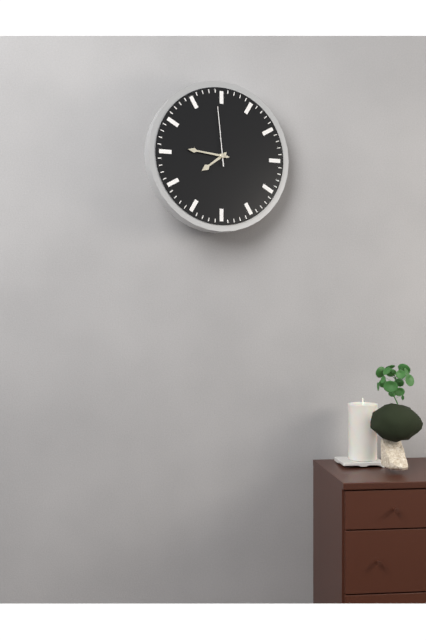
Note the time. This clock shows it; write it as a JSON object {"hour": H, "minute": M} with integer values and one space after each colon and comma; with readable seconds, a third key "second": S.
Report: {"hour": 7, "minute": 46, "second": 59}
